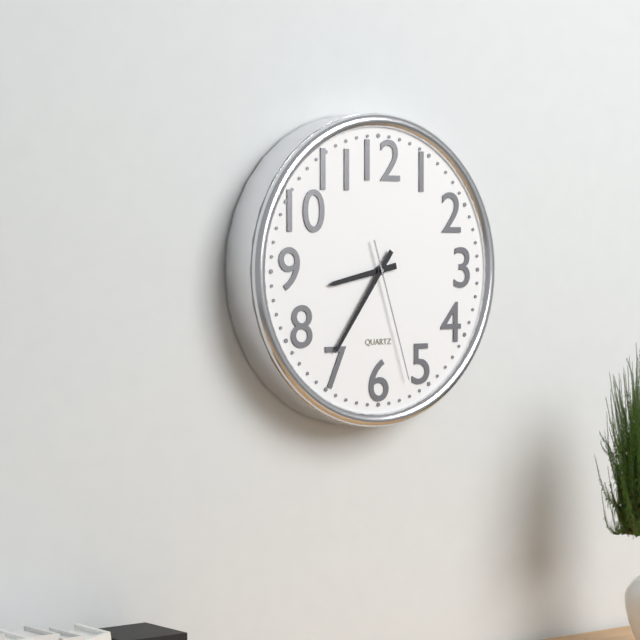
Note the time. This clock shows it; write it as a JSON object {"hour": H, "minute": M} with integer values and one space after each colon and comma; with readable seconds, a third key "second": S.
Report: {"hour": 8, "minute": 36, "second": 27}
